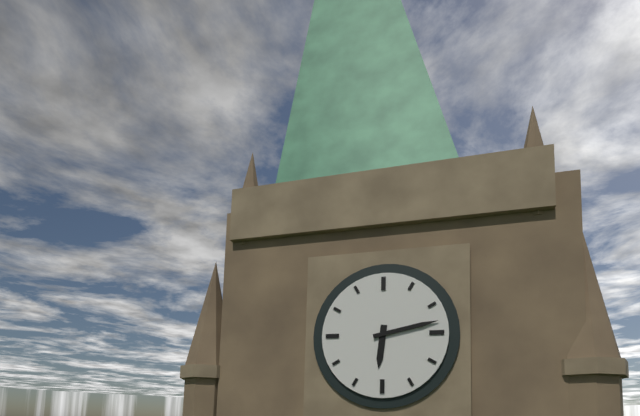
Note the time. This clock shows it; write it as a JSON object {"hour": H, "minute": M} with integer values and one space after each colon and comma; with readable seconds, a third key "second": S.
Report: {"hour": 6, "minute": 13}
